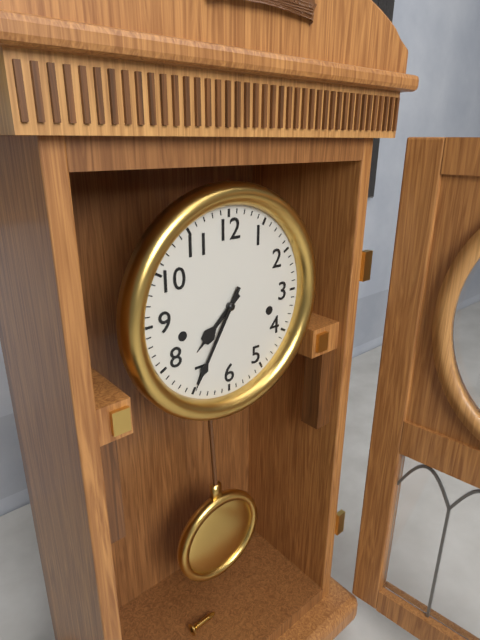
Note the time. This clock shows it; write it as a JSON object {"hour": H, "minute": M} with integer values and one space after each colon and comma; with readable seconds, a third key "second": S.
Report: {"hour": 7, "minute": 35}
